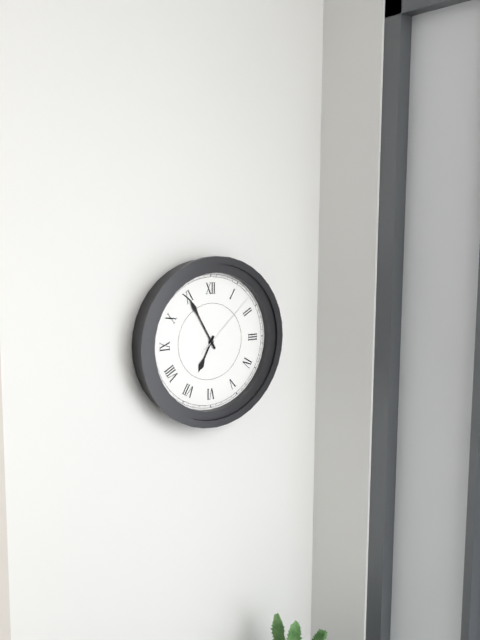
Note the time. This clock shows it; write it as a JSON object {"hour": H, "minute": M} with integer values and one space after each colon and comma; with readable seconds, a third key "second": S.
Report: {"hour": 6, "minute": 55, "second": 8}
